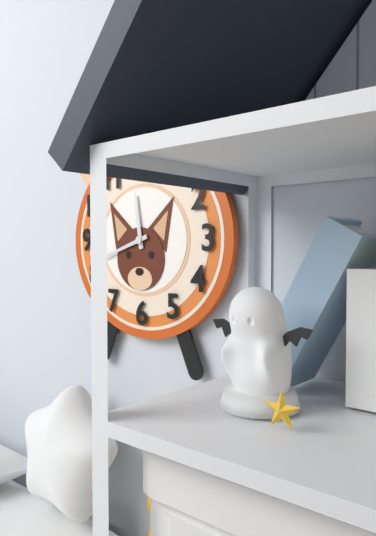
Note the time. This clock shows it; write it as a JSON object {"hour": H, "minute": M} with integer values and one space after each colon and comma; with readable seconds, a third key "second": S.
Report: {"hour": 11, "minute": 42}
